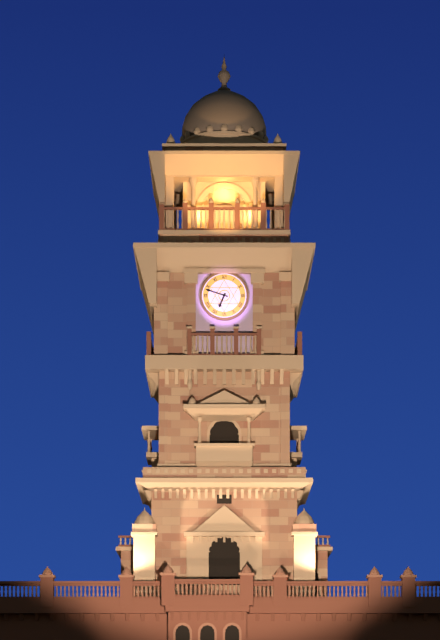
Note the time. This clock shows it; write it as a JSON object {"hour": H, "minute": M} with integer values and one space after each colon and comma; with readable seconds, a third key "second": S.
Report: {"hour": 6, "minute": 48}
